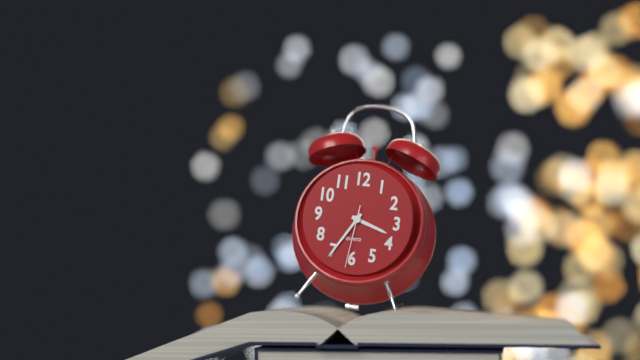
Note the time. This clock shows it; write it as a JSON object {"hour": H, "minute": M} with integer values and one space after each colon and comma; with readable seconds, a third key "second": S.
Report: {"hour": 3, "minute": 35, "second": 31}
